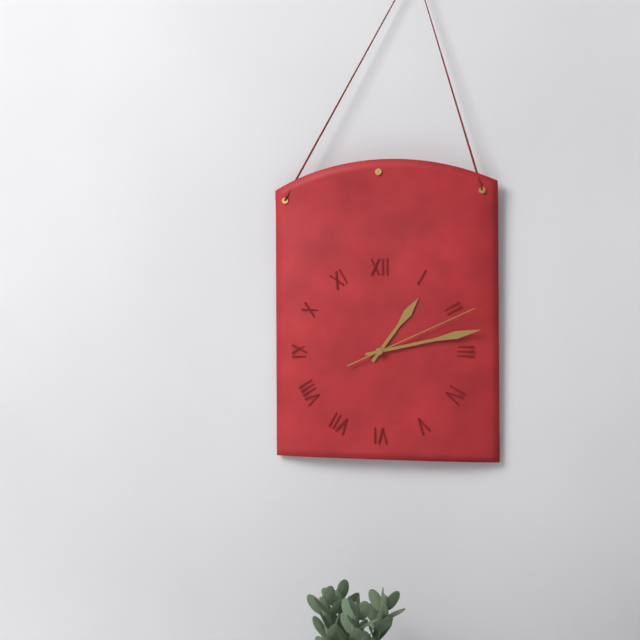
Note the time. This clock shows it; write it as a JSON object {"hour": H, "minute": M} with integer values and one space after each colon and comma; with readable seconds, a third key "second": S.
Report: {"hour": 1, "minute": 13, "second": 11}
